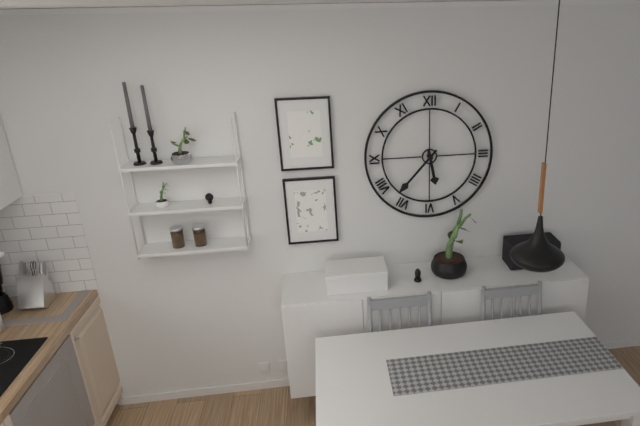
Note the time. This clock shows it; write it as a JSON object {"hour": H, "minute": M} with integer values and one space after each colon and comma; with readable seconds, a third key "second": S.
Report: {"hour": 5, "minute": 37}
